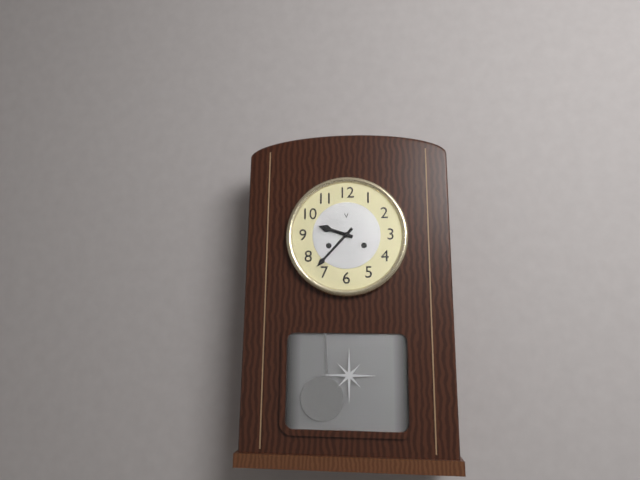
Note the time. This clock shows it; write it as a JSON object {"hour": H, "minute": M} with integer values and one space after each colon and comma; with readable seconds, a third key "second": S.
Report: {"hour": 9, "minute": 37}
